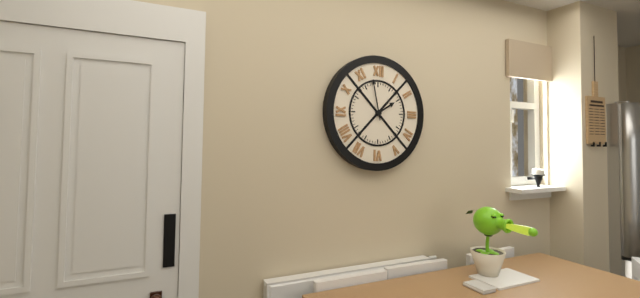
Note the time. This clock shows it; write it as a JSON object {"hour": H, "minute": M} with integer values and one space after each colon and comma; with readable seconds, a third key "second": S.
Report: {"hour": 1, "minute": 58}
